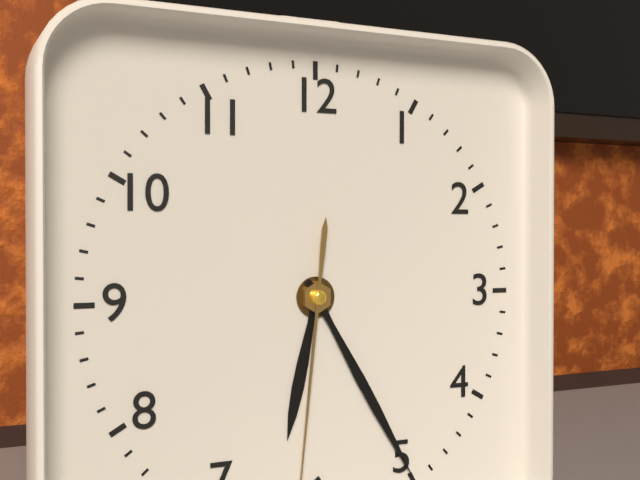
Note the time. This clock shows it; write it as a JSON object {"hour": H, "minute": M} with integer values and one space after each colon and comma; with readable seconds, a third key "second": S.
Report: {"hour": 6, "minute": 25}
